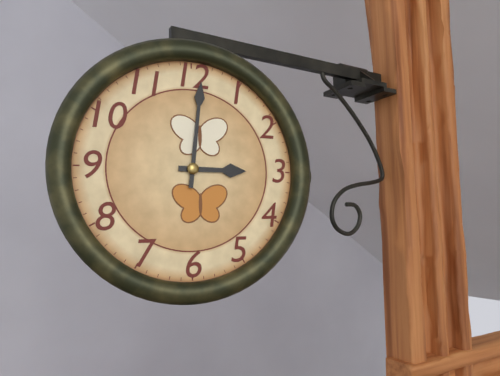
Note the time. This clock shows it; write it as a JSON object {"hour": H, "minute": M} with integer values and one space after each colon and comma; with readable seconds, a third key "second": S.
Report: {"hour": 3, "minute": 1}
